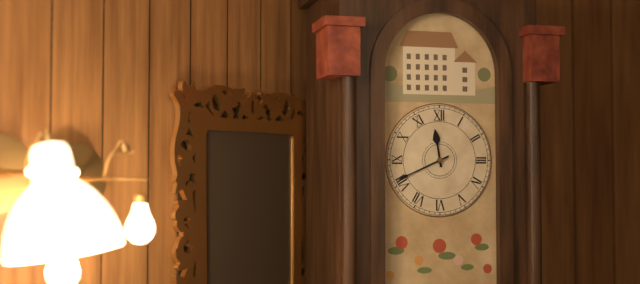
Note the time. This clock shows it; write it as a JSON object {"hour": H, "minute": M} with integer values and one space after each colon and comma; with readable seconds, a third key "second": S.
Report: {"hour": 11, "minute": 41}
